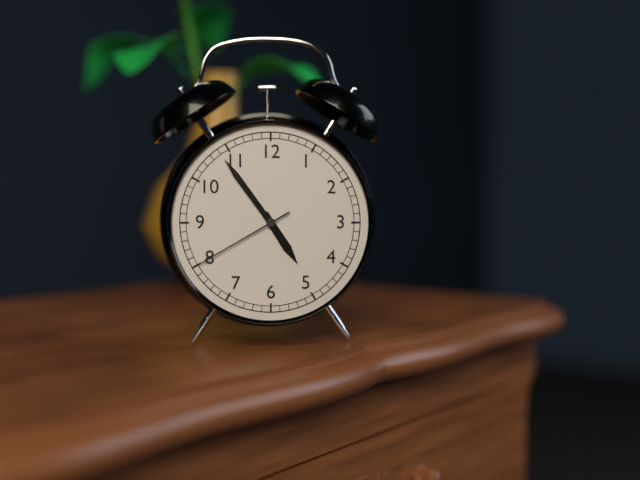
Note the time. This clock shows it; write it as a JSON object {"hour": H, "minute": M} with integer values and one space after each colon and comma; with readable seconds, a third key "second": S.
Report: {"hour": 4, "minute": 54, "second": 40}
